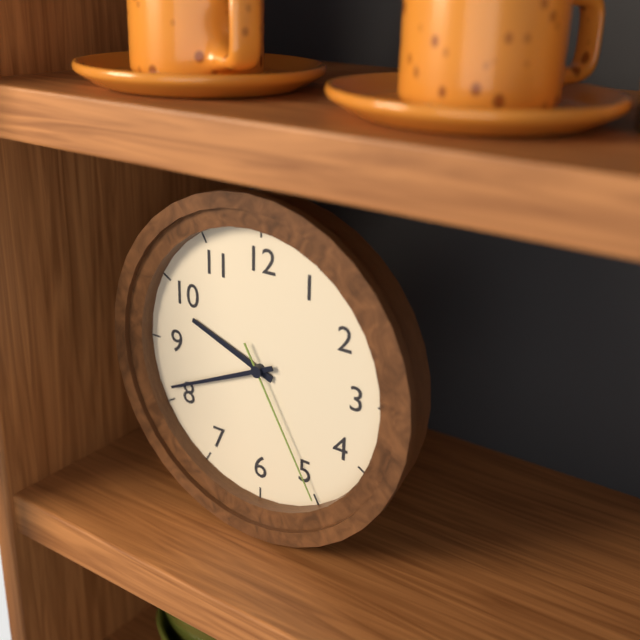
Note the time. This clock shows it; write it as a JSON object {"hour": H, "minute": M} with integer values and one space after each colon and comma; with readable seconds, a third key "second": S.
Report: {"hour": 9, "minute": 41, "second": 25}
